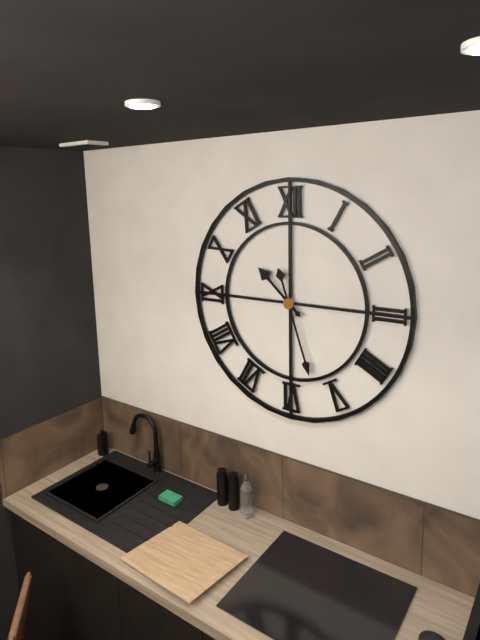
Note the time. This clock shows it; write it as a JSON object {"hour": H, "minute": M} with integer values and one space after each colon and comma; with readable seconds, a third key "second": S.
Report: {"hour": 10, "minute": 27}
